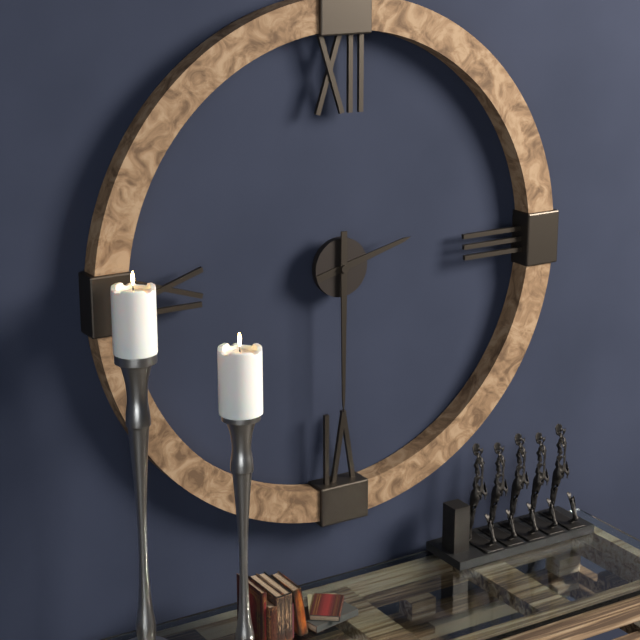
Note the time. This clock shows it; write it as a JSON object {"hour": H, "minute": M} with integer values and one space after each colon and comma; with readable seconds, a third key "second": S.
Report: {"hour": 2, "minute": 30}
